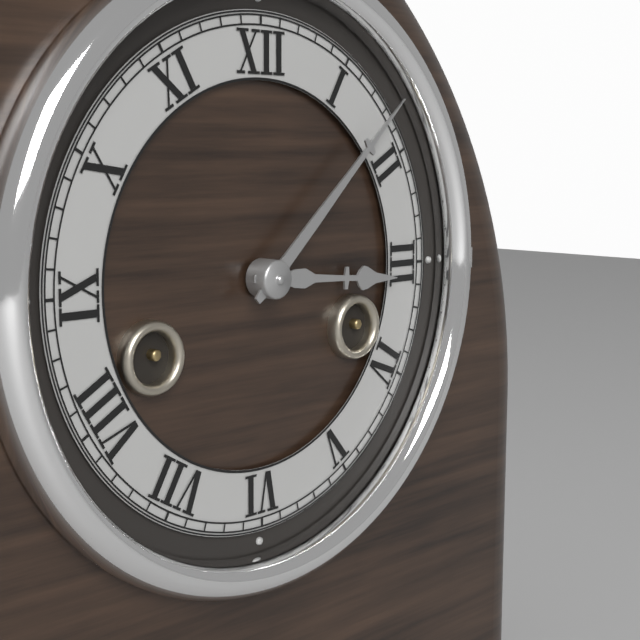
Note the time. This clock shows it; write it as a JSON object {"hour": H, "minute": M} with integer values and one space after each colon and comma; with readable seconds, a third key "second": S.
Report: {"hour": 3, "minute": 8}
